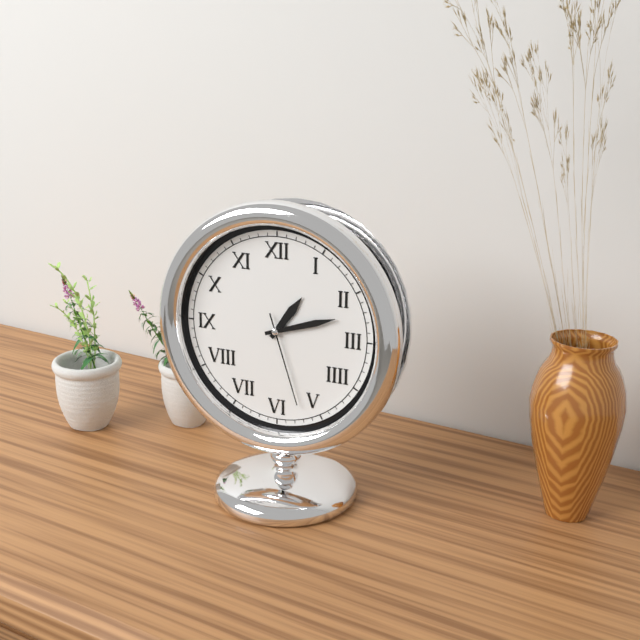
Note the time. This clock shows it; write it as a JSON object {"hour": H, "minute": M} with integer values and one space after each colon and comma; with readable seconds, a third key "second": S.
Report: {"hour": 1, "minute": 12, "second": 27}
